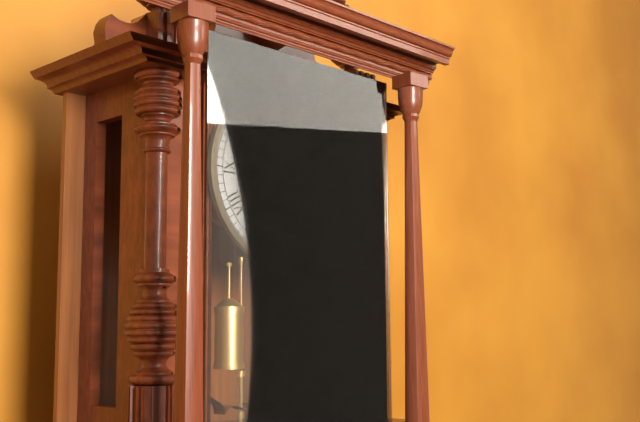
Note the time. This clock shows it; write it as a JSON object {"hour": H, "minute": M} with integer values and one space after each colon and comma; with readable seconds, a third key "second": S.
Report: {"hour": 2, "minute": 28}
